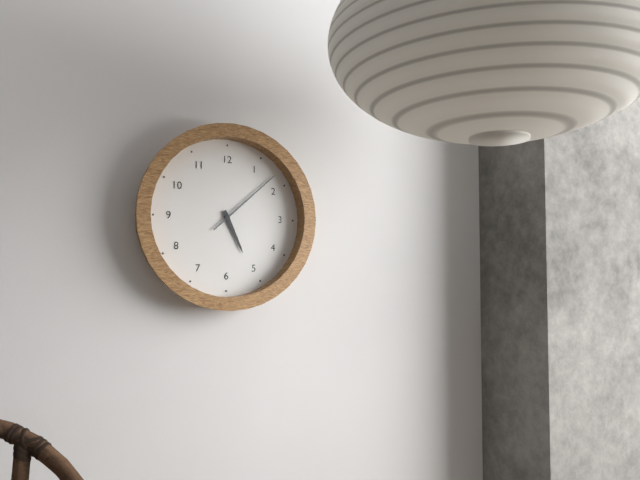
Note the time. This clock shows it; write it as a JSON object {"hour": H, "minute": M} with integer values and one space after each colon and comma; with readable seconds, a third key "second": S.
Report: {"hour": 5, "minute": 8}
